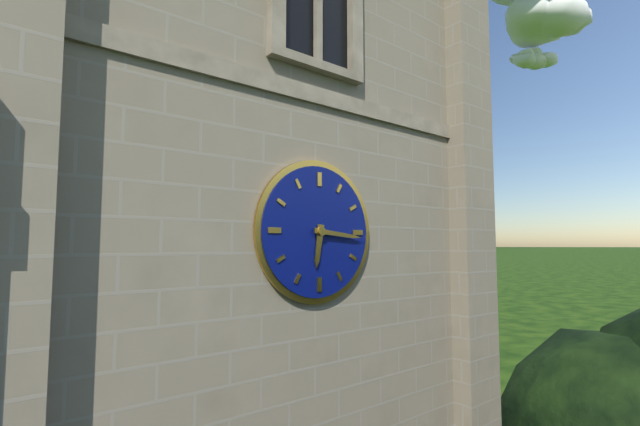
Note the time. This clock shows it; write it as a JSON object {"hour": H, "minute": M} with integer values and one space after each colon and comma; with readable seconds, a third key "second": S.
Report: {"hour": 6, "minute": 16}
